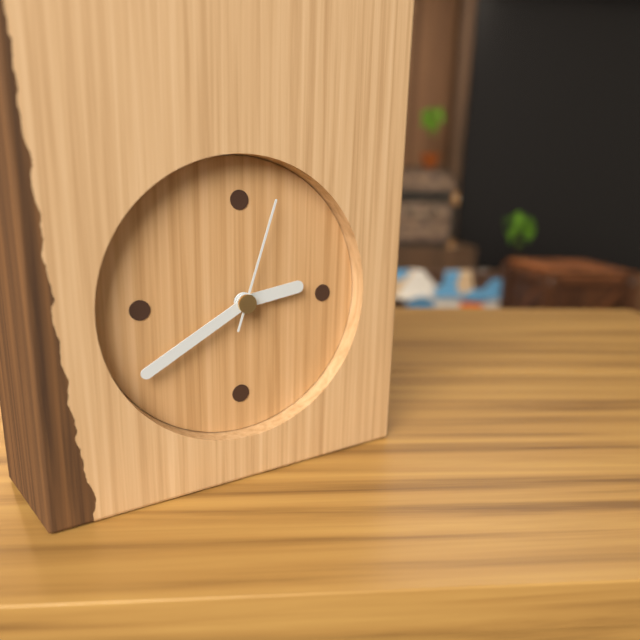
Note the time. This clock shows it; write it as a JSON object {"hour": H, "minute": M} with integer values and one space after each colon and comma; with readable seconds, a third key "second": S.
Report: {"hour": 2, "minute": 40, "second": 3}
